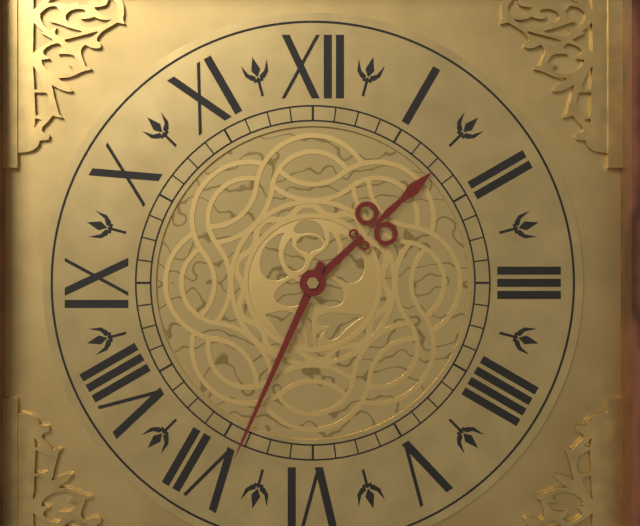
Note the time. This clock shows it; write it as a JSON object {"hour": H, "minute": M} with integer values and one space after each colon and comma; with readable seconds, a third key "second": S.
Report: {"hour": 1, "minute": 34}
